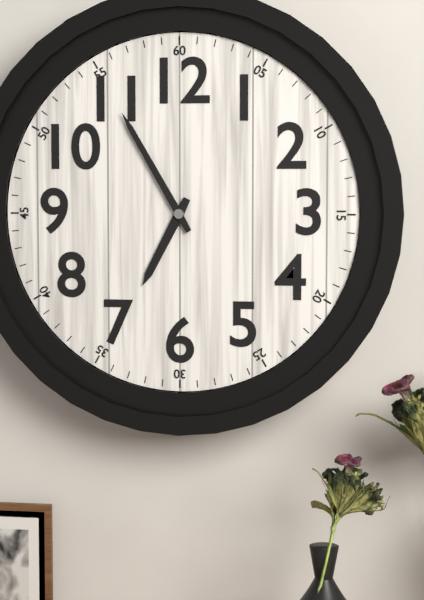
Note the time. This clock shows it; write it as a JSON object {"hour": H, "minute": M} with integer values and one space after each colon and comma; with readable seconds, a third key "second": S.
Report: {"hour": 6, "minute": 55}
